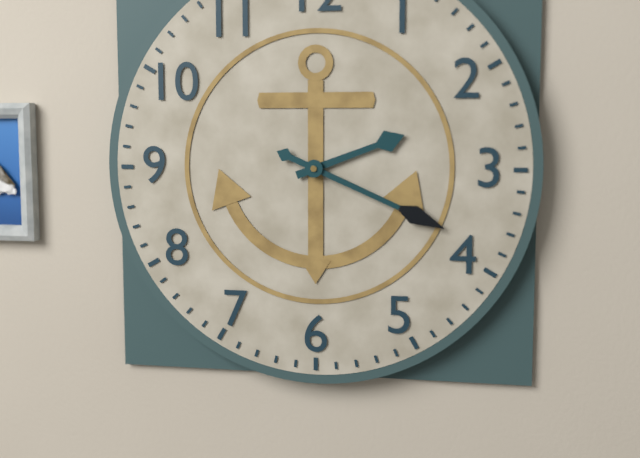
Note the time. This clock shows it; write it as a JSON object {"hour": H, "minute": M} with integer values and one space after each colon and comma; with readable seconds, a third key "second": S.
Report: {"hour": 2, "minute": 19}
